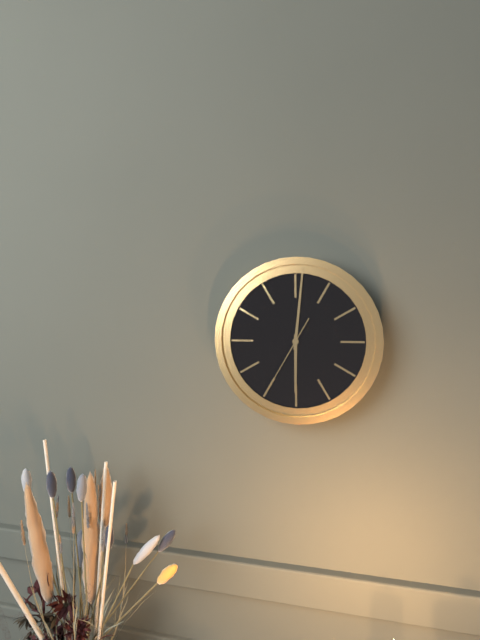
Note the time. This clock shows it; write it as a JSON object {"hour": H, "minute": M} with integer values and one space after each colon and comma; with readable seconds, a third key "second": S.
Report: {"hour": 6, "minute": 1, "second": 35}
